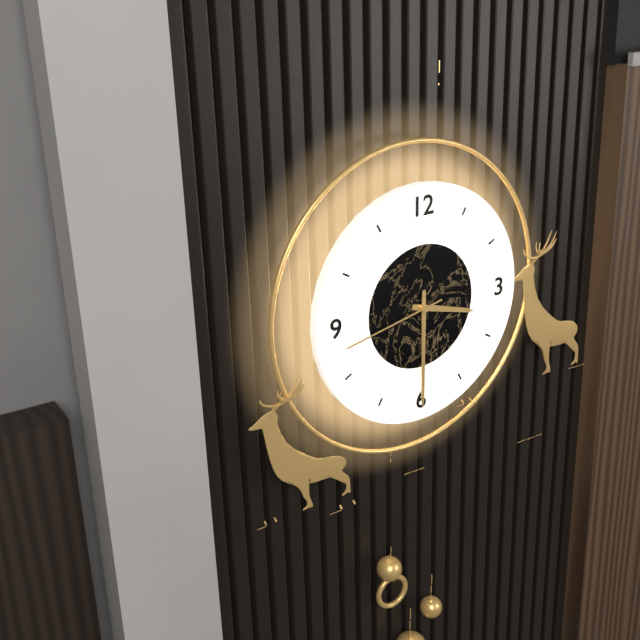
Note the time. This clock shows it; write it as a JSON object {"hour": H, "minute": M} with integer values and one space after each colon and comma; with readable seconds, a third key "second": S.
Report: {"hour": 3, "minute": 30, "second": 43}
